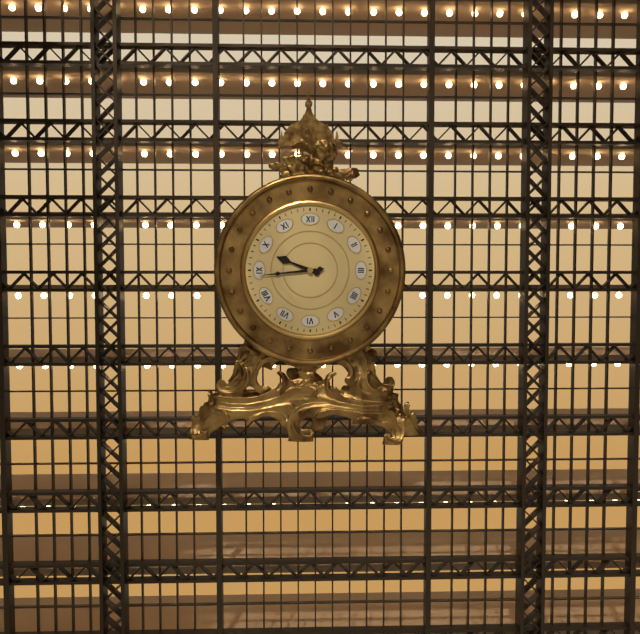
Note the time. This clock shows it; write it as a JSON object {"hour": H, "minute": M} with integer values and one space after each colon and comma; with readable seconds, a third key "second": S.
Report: {"hour": 9, "minute": 44}
